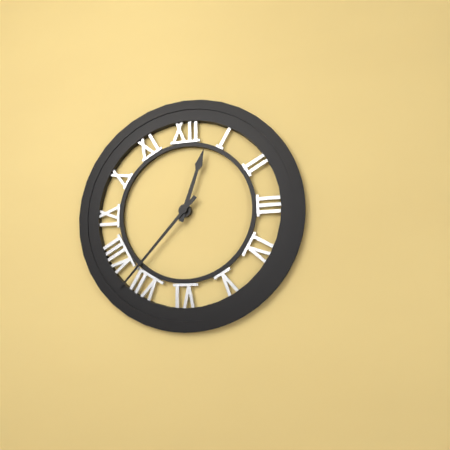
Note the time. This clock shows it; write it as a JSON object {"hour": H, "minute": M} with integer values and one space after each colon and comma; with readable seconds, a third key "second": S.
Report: {"hour": 12, "minute": 37}
